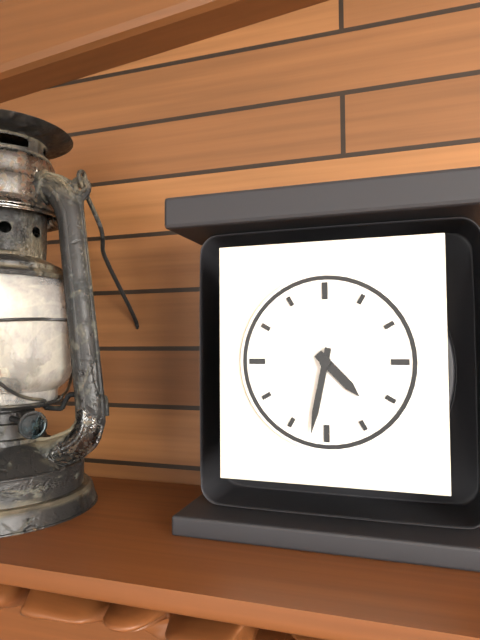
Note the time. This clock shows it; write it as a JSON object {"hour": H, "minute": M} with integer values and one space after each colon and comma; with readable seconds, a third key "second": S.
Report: {"hour": 4, "minute": 32}
